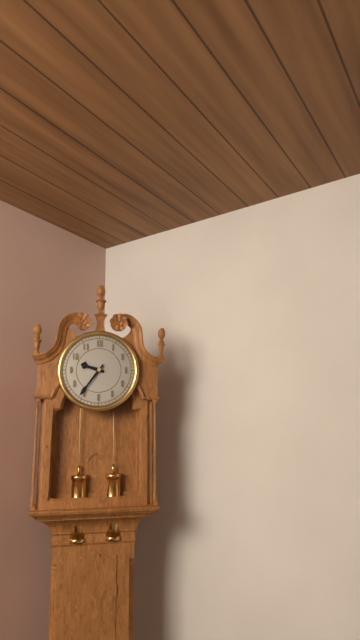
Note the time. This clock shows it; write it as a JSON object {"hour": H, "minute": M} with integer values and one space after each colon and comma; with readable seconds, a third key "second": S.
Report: {"hour": 9, "minute": 36}
